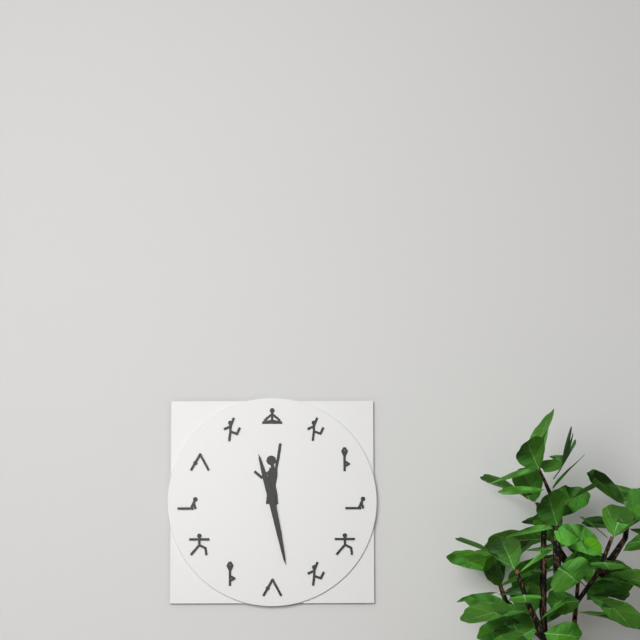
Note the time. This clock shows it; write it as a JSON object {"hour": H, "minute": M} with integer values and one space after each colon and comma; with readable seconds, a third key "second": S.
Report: {"hour": 11, "minute": 28}
